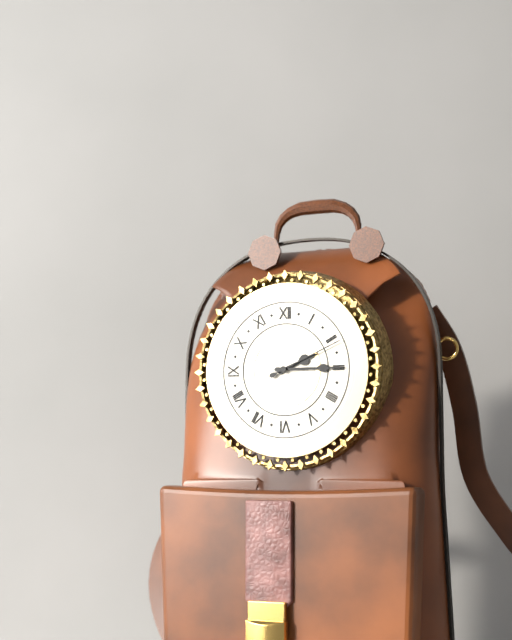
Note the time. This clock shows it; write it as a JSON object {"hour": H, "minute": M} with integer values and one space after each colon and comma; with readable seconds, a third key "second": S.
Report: {"hour": 2, "minute": 15, "second": 11}
